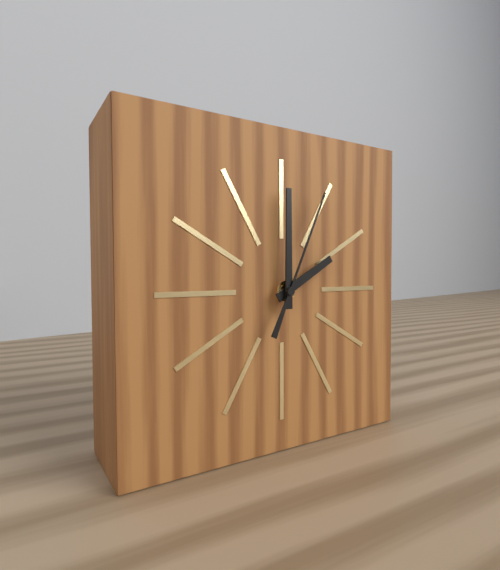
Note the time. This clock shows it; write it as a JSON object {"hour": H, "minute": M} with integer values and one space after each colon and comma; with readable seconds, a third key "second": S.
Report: {"hour": 2, "minute": 0, "second": 4}
